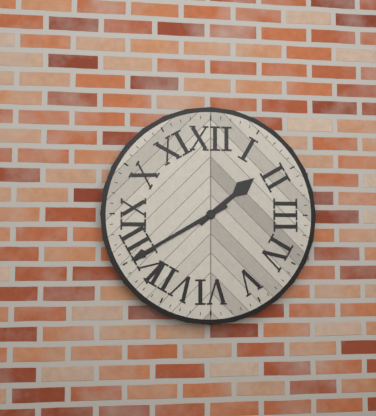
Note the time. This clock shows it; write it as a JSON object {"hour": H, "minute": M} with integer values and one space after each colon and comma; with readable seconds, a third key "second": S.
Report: {"hour": 1, "minute": 40}
